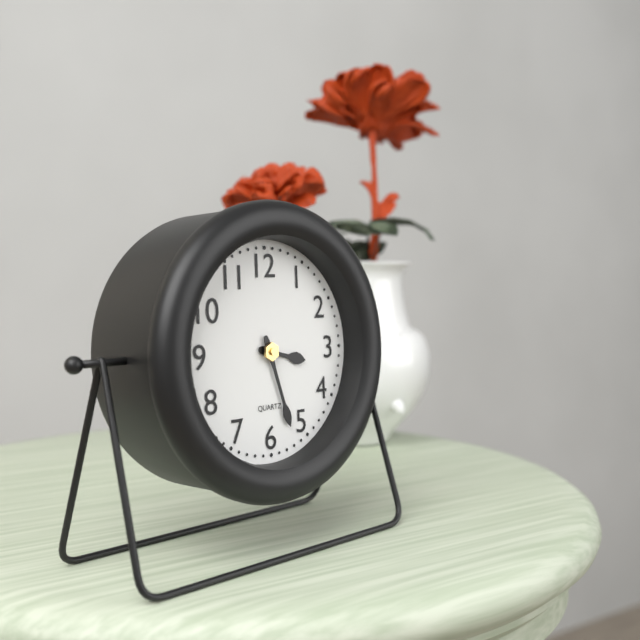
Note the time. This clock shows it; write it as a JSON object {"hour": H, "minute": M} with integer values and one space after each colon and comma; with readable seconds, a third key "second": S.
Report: {"hour": 3, "minute": 27}
